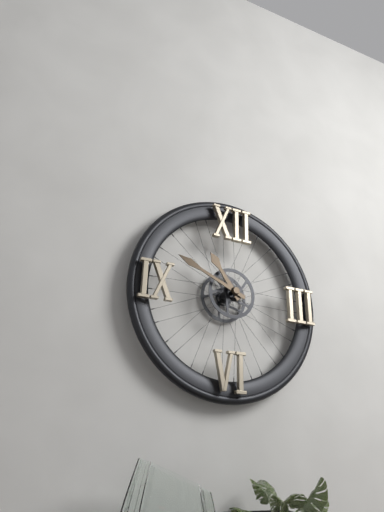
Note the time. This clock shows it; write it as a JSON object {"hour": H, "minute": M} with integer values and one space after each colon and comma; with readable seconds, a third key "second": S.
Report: {"hour": 10, "minute": 49}
